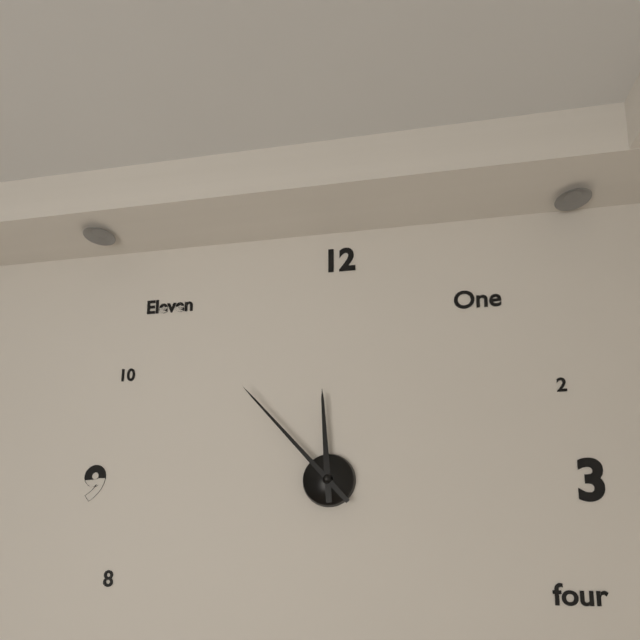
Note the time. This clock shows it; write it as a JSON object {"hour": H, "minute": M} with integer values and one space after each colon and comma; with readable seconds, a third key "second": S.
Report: {"hour": 11, "minute": 53}
